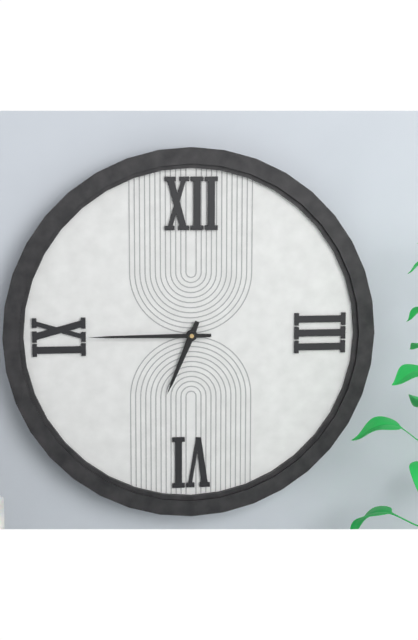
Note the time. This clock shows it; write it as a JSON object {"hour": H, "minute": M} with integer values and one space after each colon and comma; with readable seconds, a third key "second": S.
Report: {"hour": 6, "minute": 45}
